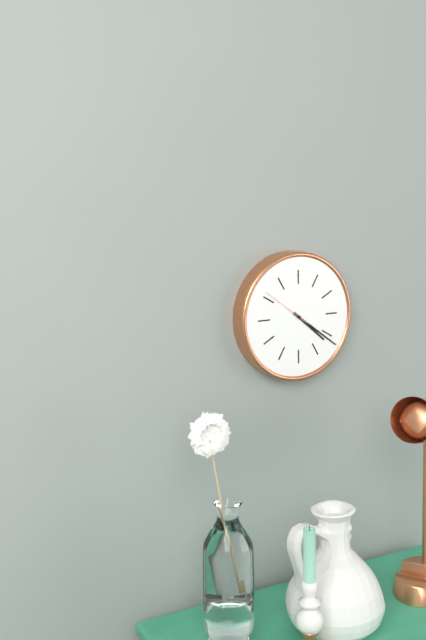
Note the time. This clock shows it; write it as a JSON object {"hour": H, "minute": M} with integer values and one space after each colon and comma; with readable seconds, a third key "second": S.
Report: {"hour": 4, "minute": 21}
